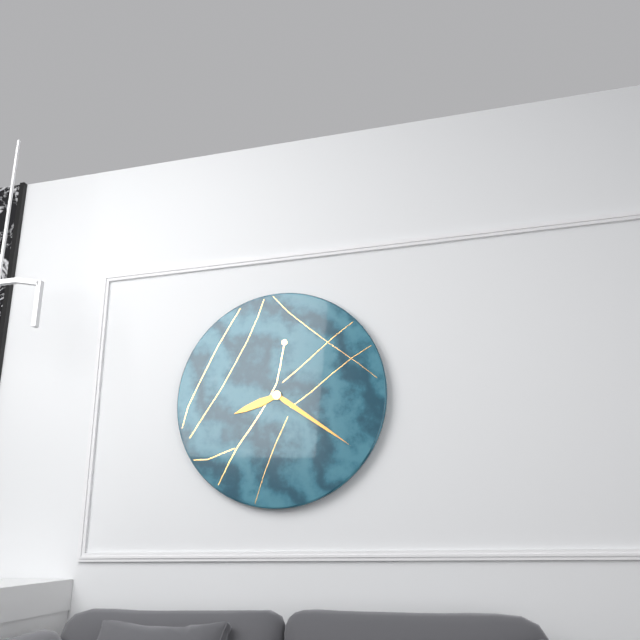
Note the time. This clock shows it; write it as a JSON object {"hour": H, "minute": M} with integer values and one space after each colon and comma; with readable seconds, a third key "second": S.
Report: {"hour": 8, "minute": 21}
